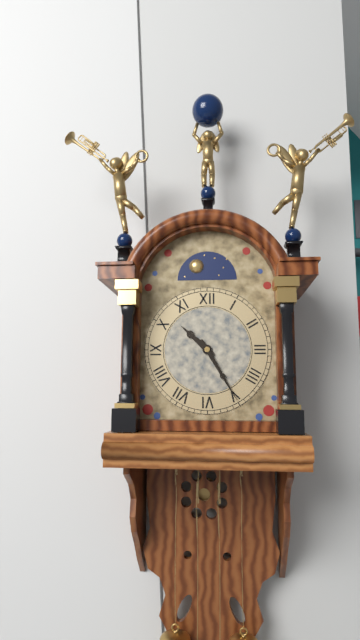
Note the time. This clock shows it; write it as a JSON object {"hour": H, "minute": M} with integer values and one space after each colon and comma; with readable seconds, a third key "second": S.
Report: {"hour": 10, "minute": 25}
